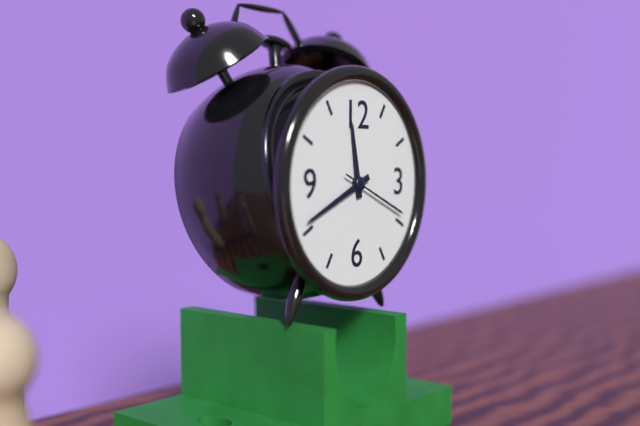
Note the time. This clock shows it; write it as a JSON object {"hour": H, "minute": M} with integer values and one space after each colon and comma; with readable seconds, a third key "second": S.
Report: {"hour": 11, "minute": 41, "second": 19}
